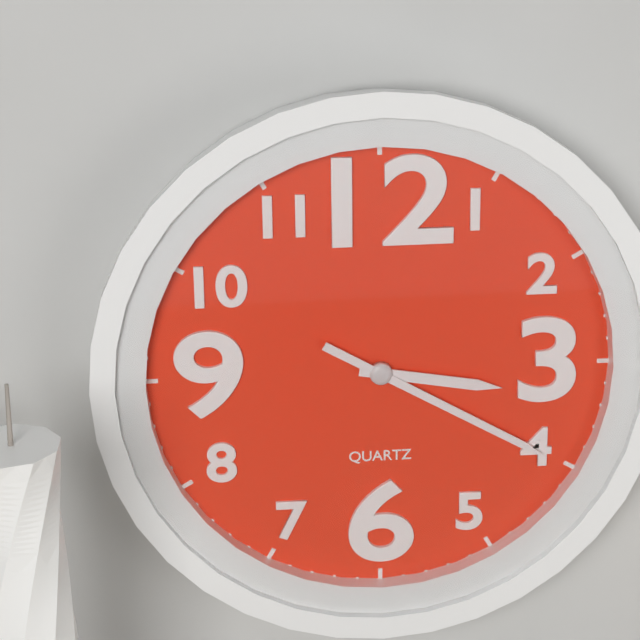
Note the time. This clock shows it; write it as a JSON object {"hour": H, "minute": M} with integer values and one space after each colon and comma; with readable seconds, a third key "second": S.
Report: {"hour": 3, "minute": 20}
